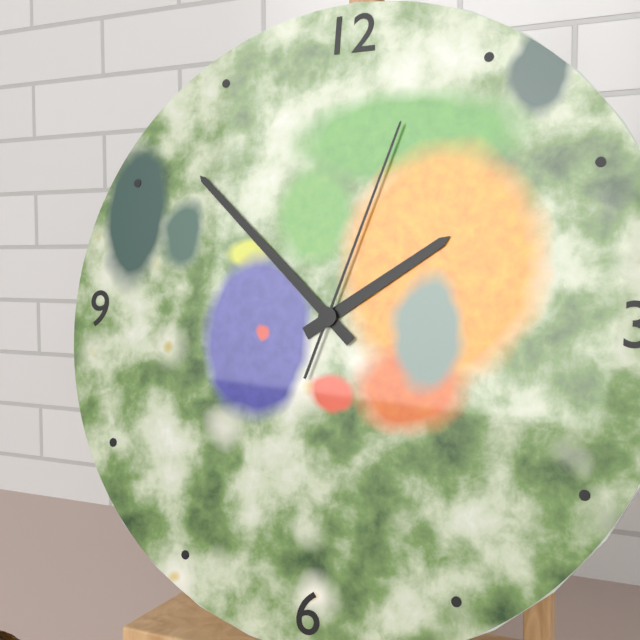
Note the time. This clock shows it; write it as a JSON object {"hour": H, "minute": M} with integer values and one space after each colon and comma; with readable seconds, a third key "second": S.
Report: {"hour": 1, "minute": 52, "second": 3}
